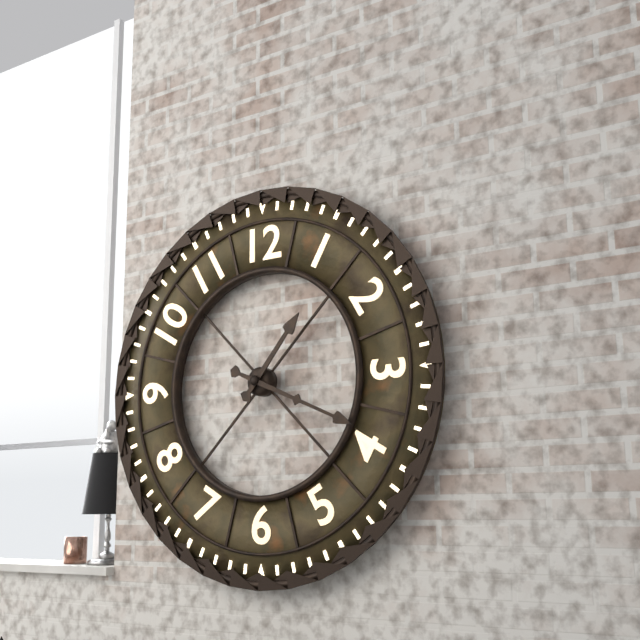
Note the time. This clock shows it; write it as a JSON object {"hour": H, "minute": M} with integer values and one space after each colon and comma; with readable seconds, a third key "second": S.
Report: {"hour": 1, "minute": 19}
